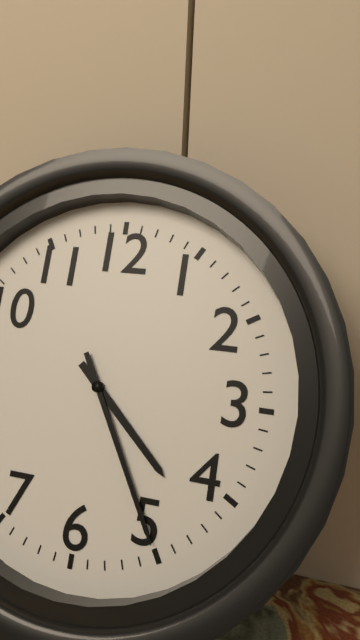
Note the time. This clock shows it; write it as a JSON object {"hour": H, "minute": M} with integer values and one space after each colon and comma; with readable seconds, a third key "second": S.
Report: {"hour": 4, "minute": 25}
